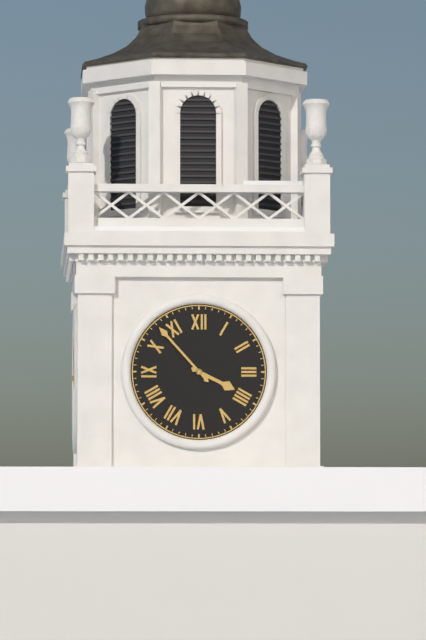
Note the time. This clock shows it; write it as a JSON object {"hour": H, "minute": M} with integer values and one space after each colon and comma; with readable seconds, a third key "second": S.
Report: {"hour": 3, "minute": 53}
